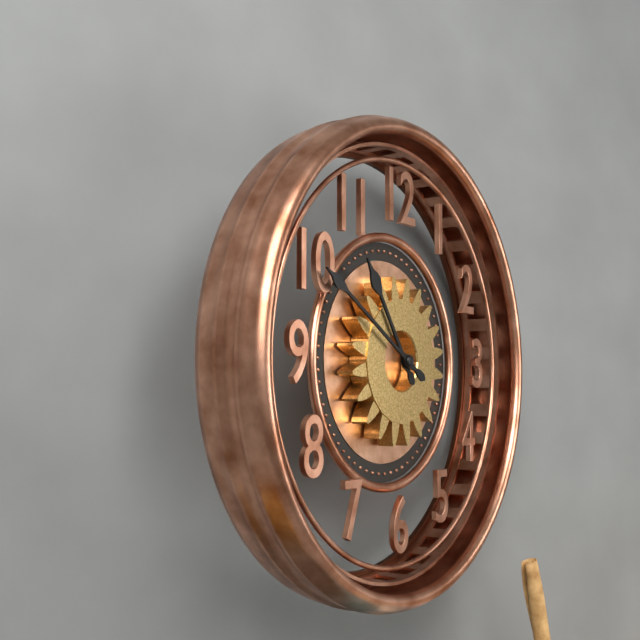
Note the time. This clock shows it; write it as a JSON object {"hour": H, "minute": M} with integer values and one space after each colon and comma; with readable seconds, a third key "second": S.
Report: {"hour": 10, "minute": 50}
